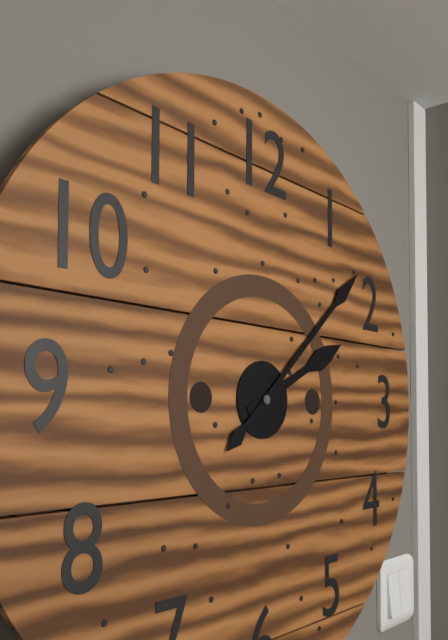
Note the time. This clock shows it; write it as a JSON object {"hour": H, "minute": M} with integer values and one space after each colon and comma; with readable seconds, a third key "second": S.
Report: {"hour": 2, "minute": 8}
